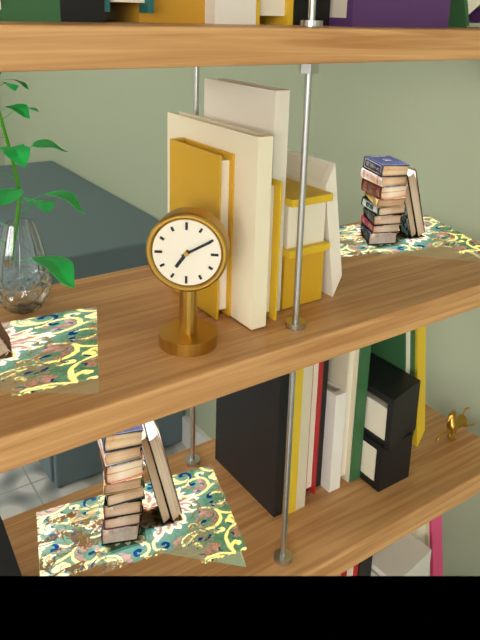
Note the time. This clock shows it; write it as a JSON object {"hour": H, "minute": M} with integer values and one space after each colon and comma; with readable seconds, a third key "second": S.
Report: {"hour": 7, "minute": 10}
